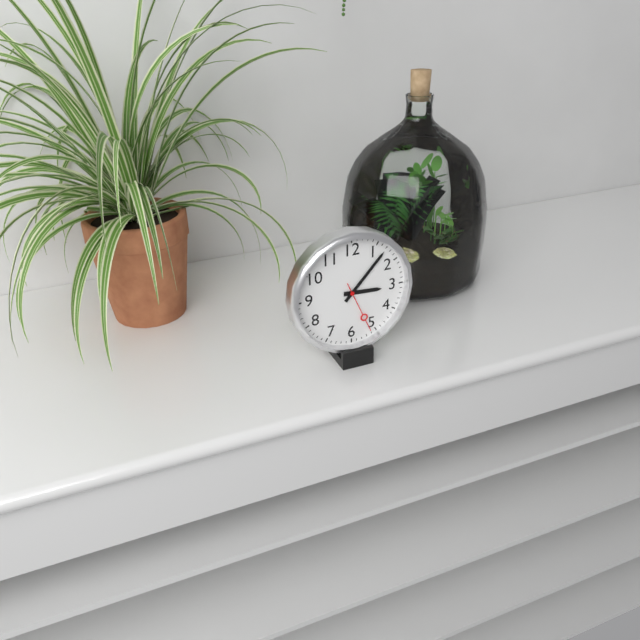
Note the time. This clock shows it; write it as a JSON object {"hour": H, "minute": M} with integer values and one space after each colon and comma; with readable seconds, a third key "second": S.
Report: {"hour": 3, "minute": 7, "second": 26}
